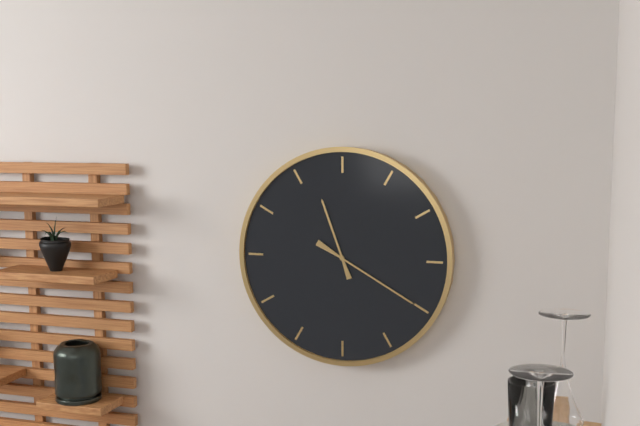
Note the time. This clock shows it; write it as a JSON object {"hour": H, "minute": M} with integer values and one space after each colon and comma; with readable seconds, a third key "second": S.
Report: {"hour": 11, "minute": 20}
